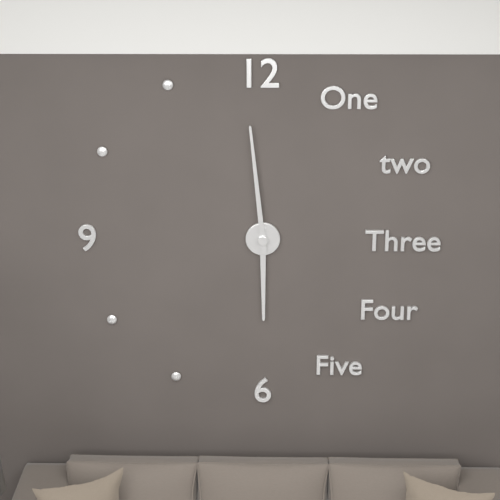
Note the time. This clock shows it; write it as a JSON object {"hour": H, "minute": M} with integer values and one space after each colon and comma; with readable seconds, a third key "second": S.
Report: {"hour": 5, "minute": 59}
